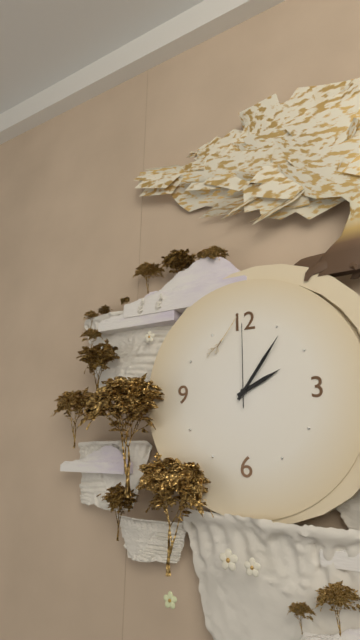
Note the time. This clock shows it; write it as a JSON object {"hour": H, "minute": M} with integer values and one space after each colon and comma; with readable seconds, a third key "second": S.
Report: {"hour": 2, "minute": 6, "second": 0}
